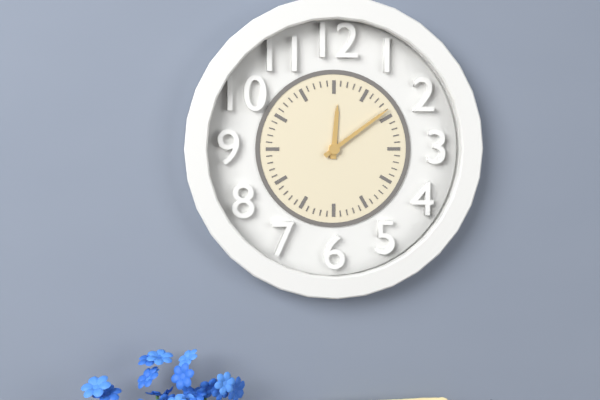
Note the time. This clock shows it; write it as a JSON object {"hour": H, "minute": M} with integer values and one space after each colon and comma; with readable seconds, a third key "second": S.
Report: {"hour": 12, "minute": 9}
